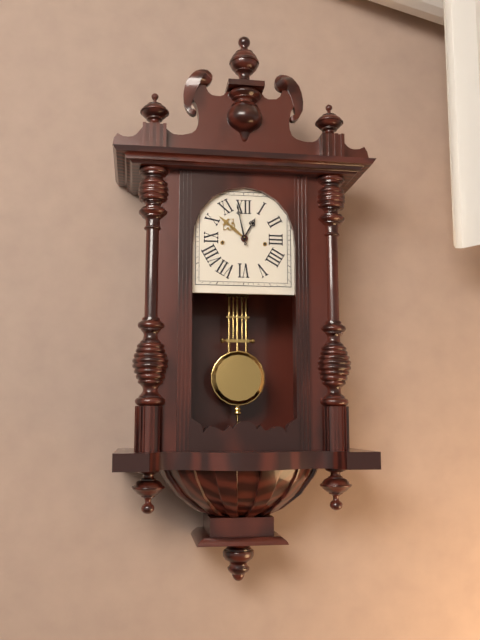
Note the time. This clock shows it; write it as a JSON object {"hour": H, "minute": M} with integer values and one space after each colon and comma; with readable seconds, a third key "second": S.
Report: {"hour": 12, "minute": 58}
